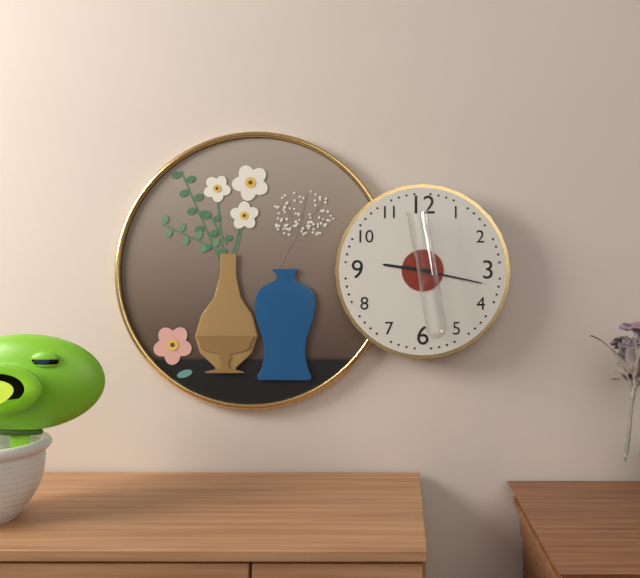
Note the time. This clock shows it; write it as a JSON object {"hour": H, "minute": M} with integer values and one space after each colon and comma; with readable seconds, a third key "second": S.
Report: {"hour": 9, "minute": 17}
